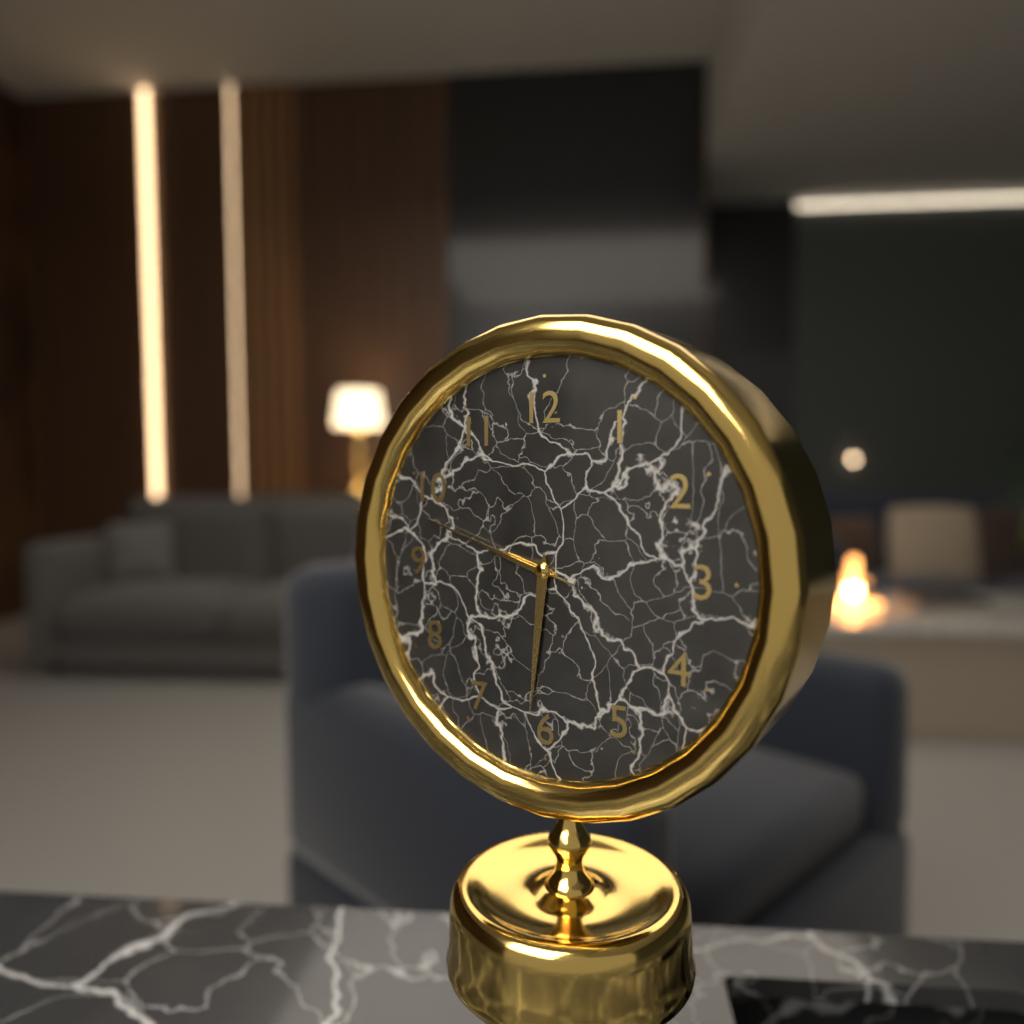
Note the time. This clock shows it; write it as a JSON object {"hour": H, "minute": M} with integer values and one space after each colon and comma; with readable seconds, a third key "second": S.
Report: {"hour": 9, "minute": 31, "second": 48}
